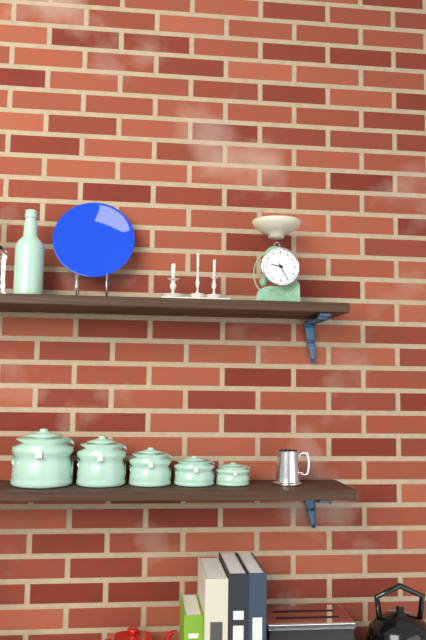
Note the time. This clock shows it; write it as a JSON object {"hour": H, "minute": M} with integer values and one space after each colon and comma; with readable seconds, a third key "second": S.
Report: {"hour": 9, "minute": 25}
